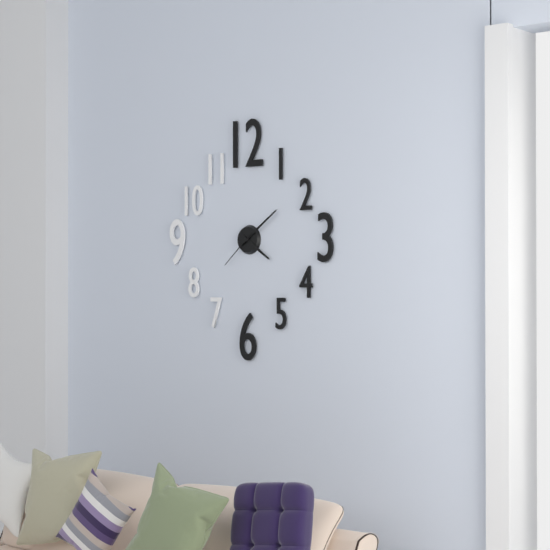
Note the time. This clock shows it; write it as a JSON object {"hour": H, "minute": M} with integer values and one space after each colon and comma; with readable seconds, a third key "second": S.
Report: {"hour": 4, "minute": 9}
